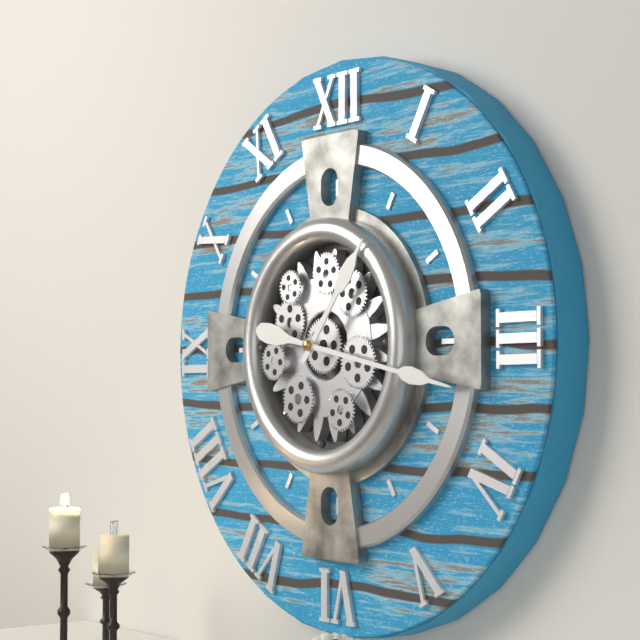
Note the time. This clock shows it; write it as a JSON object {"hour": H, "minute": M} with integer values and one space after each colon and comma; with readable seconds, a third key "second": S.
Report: {"hour": 1, "minute": 17}
